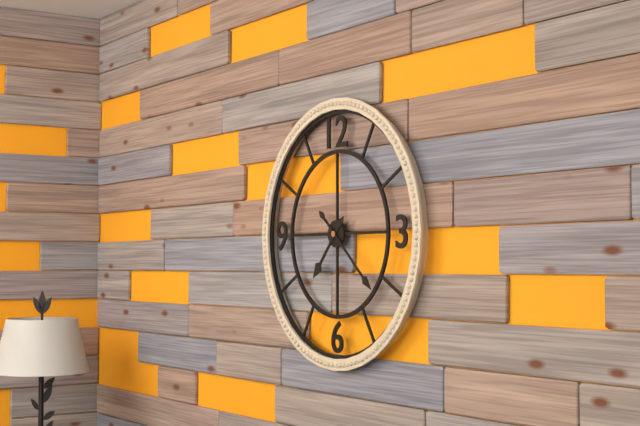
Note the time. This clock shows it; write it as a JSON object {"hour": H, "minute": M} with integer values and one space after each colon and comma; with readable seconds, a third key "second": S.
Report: {"hour": 7, "minute": 22}
